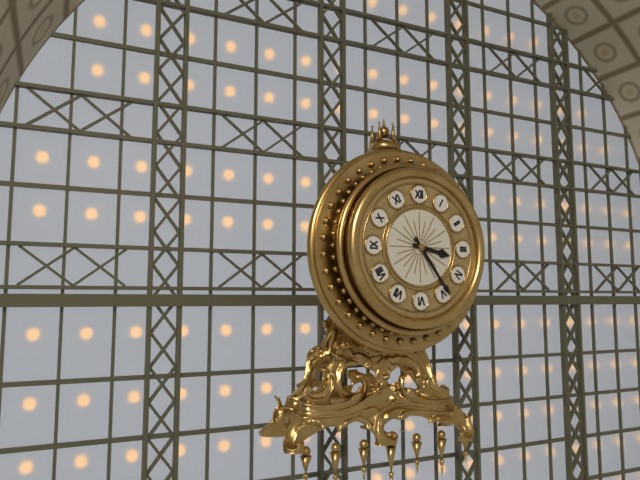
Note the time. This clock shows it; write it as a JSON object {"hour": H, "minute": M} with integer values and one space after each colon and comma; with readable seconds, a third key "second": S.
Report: {"hour": 3, "minute": 24}
